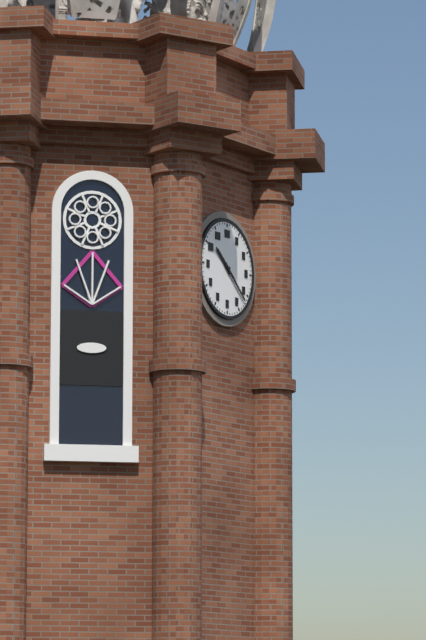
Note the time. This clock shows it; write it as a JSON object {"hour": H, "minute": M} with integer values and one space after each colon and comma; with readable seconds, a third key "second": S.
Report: {"hour": 10, "minute": 22}
